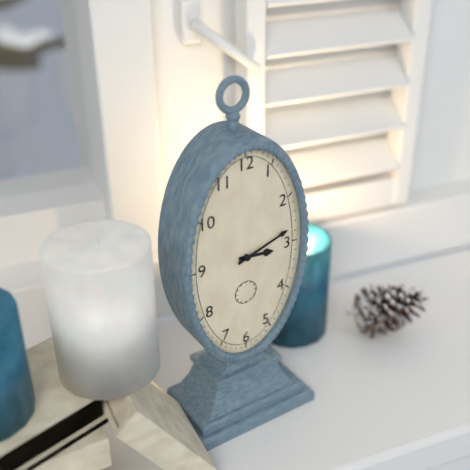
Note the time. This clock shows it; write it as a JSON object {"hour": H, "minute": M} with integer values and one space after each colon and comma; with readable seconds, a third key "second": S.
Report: {"hour": 3, "minute": 12}
